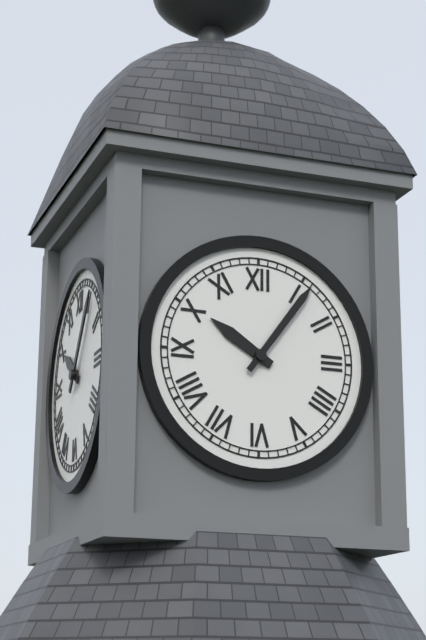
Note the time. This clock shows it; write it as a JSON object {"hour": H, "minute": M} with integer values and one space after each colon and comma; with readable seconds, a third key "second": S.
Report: {"hour": 10, "minute": 6}
